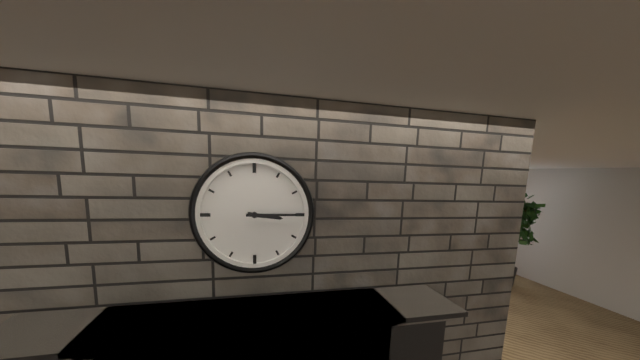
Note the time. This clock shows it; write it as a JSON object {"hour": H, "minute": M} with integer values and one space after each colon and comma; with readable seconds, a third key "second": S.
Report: {"hour": 3, "minute": 15}
